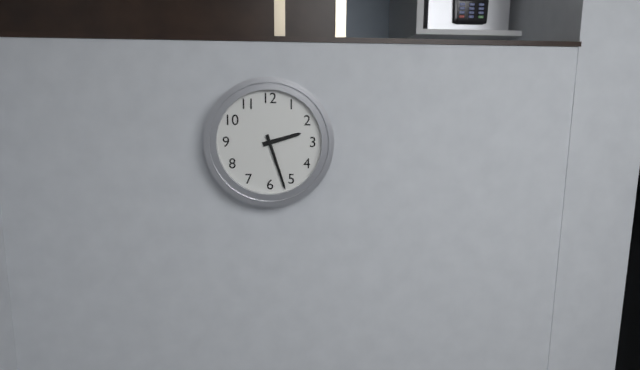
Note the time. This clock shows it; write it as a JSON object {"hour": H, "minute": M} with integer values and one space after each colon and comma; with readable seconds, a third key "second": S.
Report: {"hour": 2, "minute": 27}
